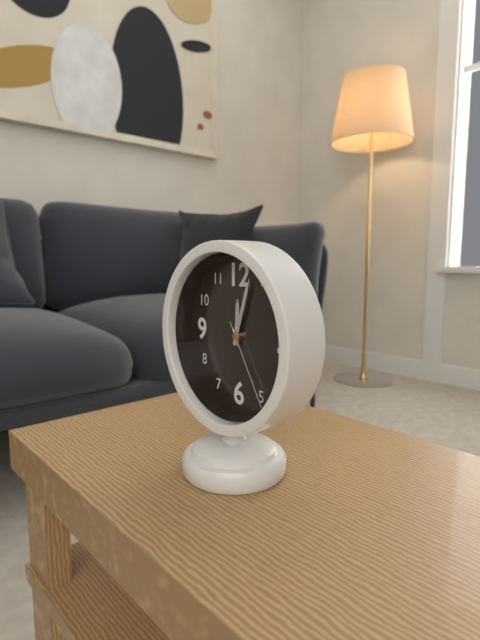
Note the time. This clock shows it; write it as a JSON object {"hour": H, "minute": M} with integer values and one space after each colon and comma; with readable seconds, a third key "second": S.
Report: {"hour": 12, "minute": 3, "second": 25}
